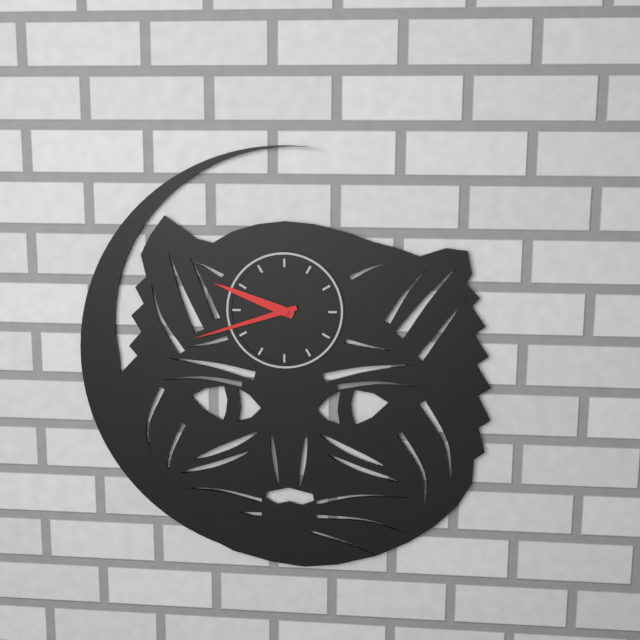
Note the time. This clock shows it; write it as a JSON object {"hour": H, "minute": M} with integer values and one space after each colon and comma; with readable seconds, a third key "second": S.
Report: {"hour": 9, "minute": 42}
